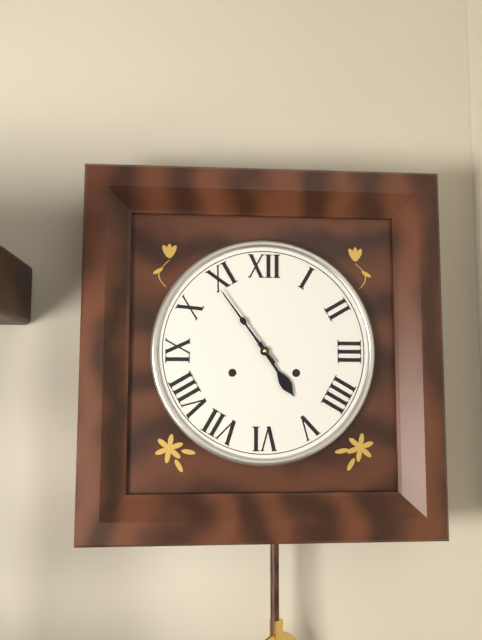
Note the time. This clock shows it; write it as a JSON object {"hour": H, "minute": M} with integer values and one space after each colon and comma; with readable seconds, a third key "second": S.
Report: {"hour": 4, "minute": 54}
